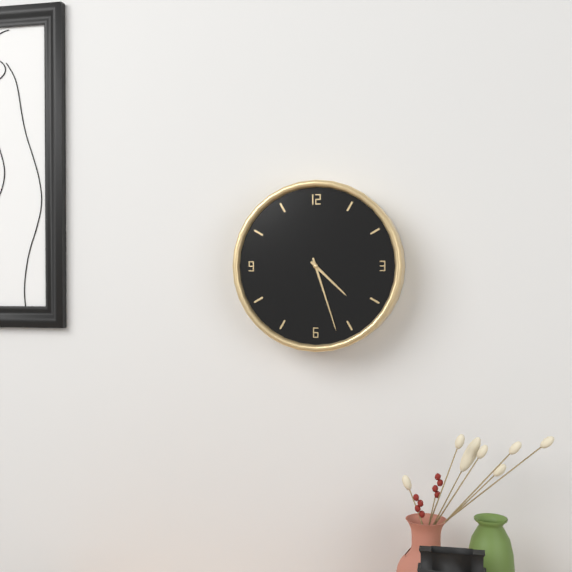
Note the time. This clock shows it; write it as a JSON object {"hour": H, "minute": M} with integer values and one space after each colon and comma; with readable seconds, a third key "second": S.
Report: {"hour": 4, "minute": 27}
